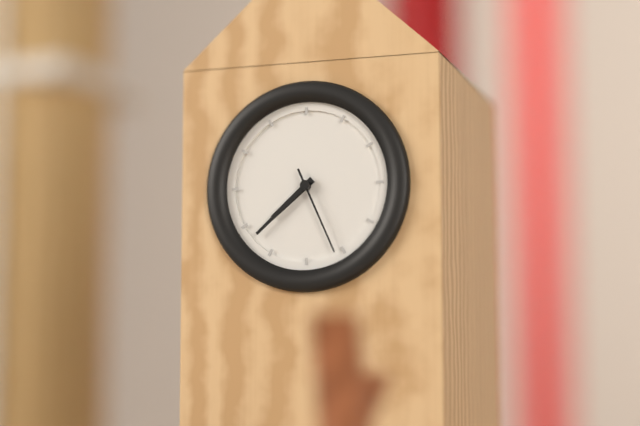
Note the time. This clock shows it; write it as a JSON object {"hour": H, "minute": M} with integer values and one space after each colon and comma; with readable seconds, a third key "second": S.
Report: {"hour": 7, "minute": 38, "second": 26}
